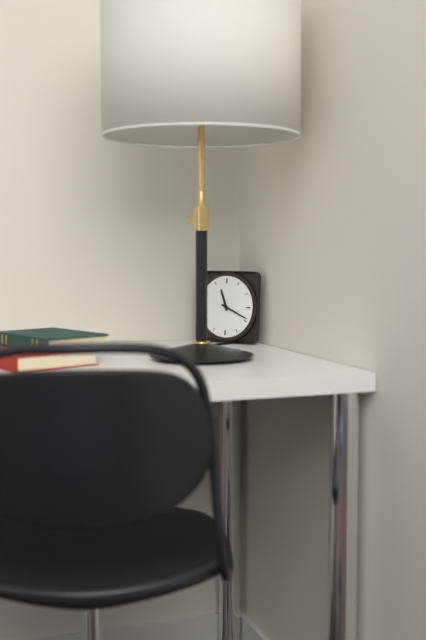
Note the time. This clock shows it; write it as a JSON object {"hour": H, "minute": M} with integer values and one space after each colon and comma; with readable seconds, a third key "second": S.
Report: {"hour": 11, "minute": 19}
